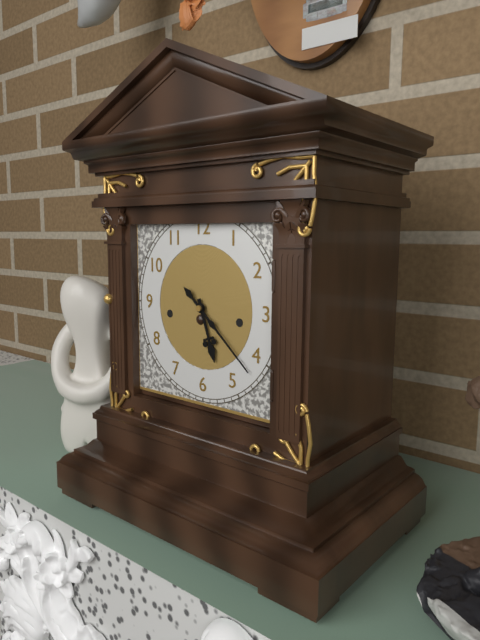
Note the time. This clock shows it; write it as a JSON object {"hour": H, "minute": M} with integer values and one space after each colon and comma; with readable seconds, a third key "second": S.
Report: {"hour": 5, "minute": 22}
